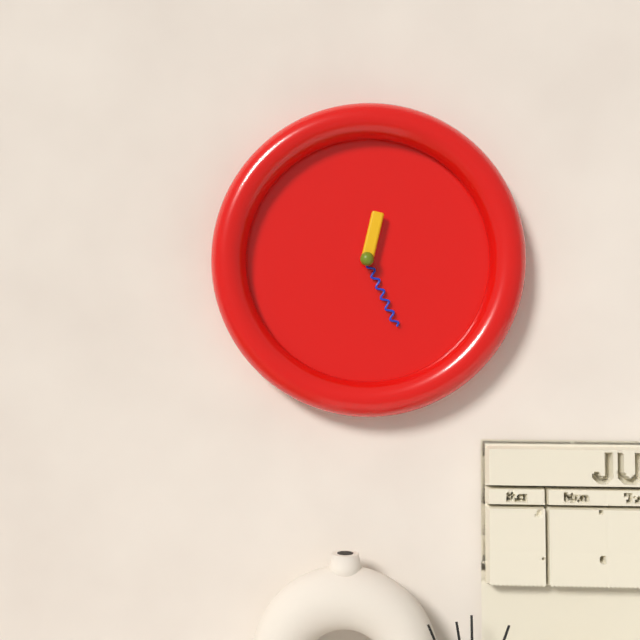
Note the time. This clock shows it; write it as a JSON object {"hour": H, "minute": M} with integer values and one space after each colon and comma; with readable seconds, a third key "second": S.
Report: {"hour": 12, "minute": 26}
